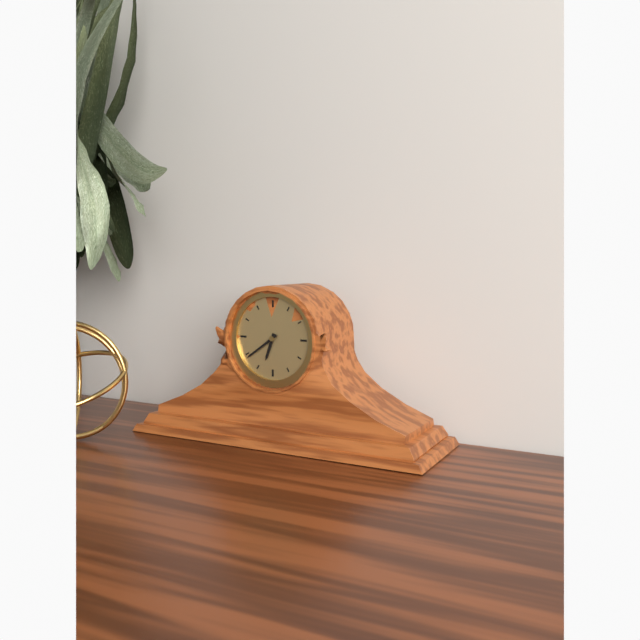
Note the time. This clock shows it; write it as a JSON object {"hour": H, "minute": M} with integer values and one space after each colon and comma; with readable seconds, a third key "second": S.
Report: {"hour": 6, "minute": 39}
